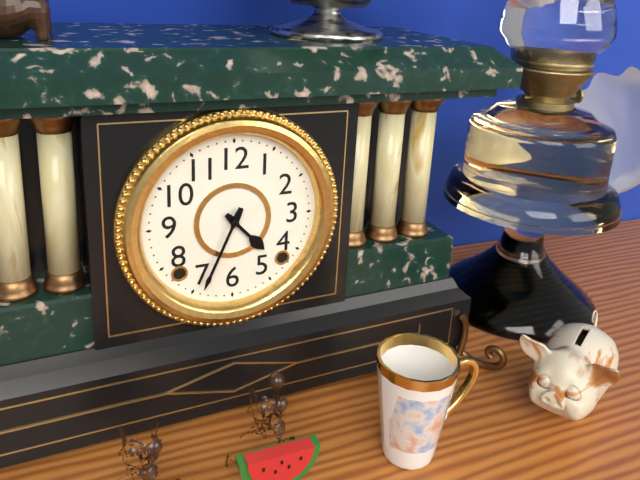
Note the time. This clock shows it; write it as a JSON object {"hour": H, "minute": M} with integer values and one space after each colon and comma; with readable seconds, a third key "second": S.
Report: {"hour": 4, "minute": 34}
